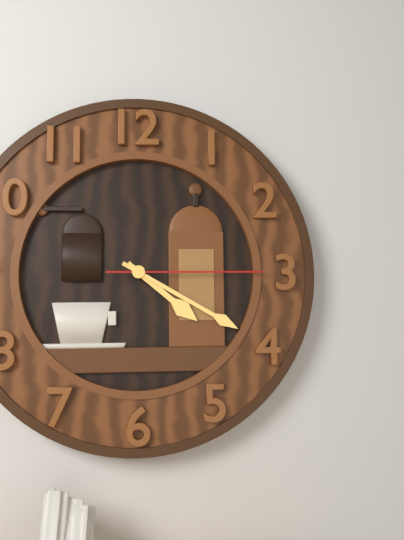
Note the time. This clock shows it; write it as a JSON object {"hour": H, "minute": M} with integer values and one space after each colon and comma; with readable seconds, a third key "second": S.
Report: {"hour": 4, "minute": 20, "second": 15}
